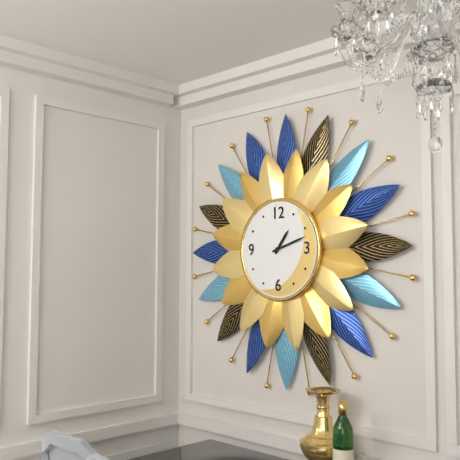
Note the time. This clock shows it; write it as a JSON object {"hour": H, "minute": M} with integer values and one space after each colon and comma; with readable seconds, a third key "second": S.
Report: {"hour": 1, "minute": 12}
